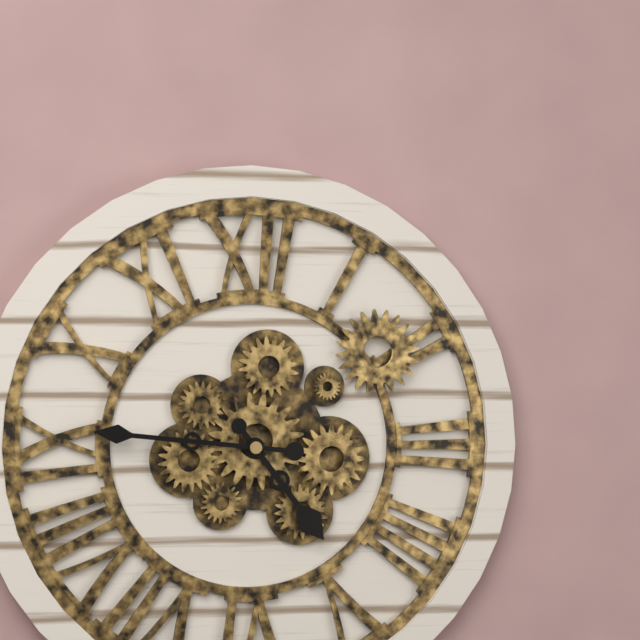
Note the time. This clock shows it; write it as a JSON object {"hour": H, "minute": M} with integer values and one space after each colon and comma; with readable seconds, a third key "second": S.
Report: {"hour": 4, "minute": 46}
